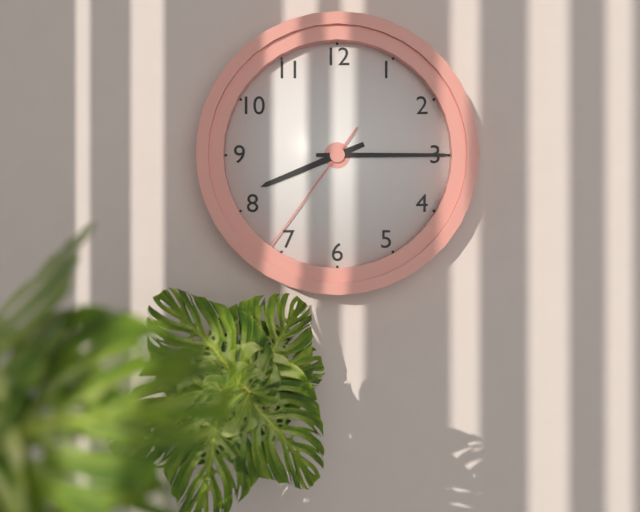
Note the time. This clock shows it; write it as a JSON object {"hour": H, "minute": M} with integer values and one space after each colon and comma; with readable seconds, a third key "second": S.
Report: {"hour": 8, "minute": 15, "second": 36}
